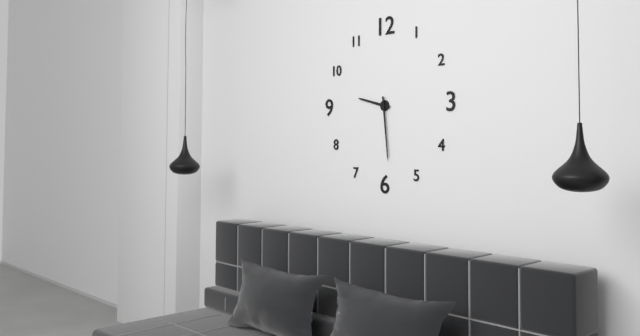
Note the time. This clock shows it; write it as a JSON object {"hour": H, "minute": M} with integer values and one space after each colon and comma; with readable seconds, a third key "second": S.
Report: {"hour": 9, "minute": 29}
